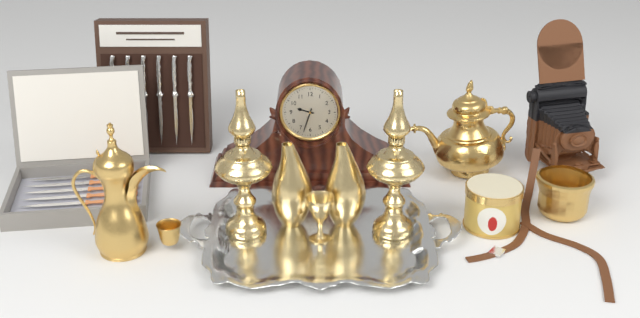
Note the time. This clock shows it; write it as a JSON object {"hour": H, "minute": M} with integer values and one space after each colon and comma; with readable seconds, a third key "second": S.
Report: {"hour": 9, "minute": 33}
